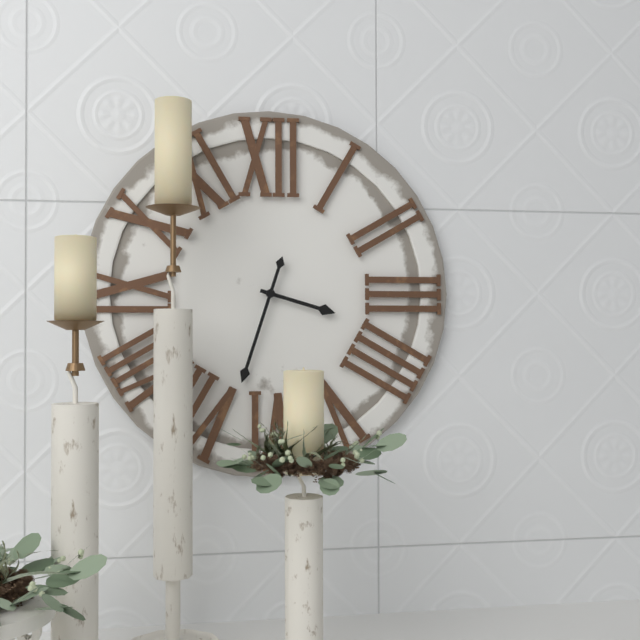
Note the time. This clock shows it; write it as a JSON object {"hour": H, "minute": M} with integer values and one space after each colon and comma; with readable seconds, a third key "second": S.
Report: {"hour": 3, "minute": 33}
